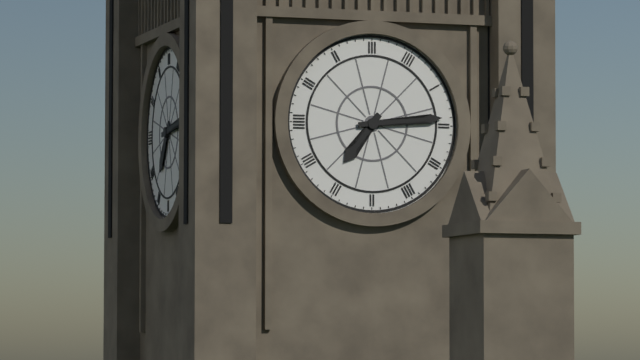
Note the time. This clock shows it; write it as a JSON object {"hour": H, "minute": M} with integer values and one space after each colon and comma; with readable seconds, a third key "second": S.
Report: {"hour": 7, "minute": 14}
